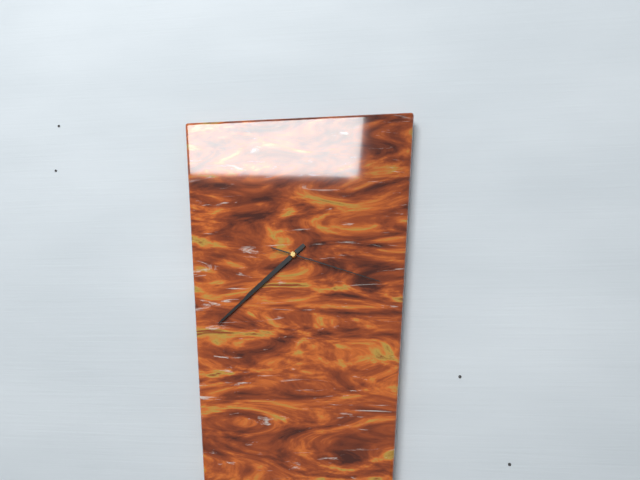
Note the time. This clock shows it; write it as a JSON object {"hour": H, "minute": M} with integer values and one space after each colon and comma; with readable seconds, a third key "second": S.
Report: {"hour": 7, "minute": 38, "second": 18}
